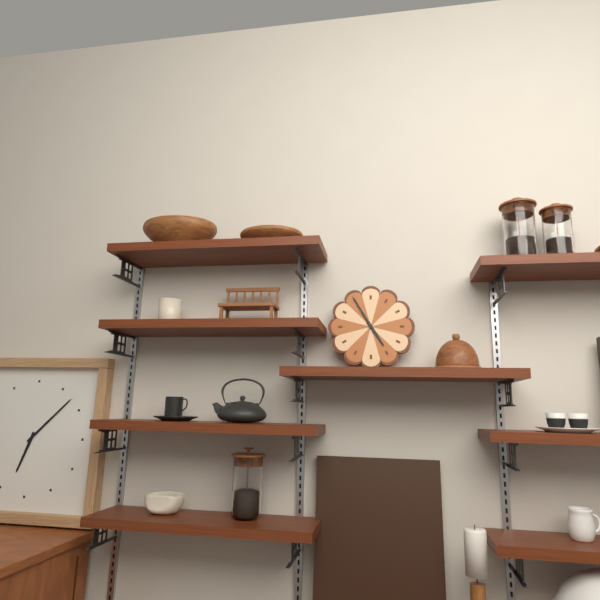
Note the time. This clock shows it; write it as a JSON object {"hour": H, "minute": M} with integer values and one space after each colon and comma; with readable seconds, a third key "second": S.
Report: {"hour": 4, "minute": 55}
